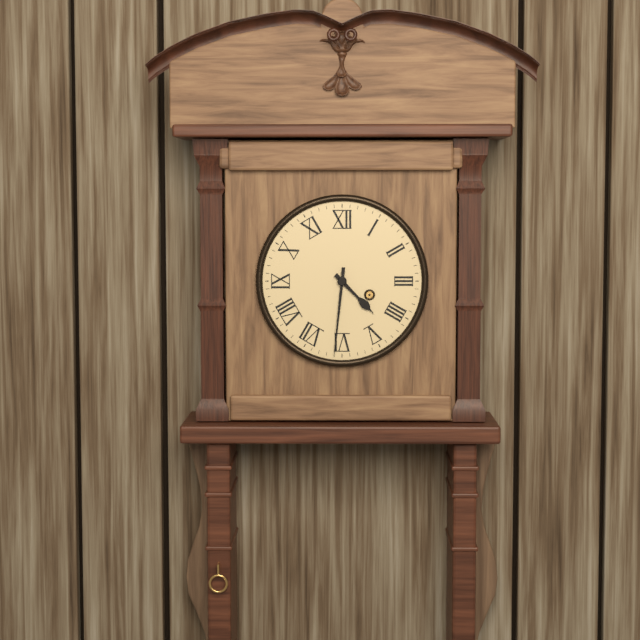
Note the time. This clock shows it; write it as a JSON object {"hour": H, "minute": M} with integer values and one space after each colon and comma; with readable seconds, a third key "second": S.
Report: {"hour": 4, "minute": 31}
